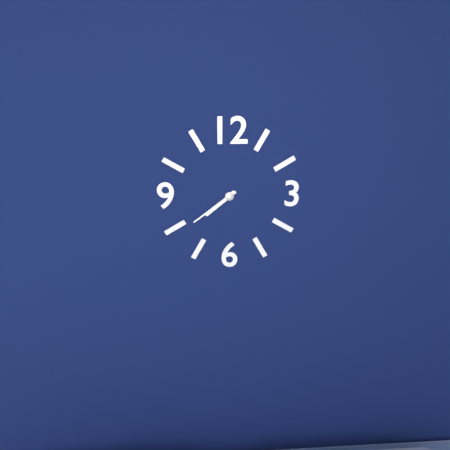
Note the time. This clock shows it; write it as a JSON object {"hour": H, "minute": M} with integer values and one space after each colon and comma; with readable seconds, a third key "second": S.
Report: {"hour": 7, "minute": 39}
